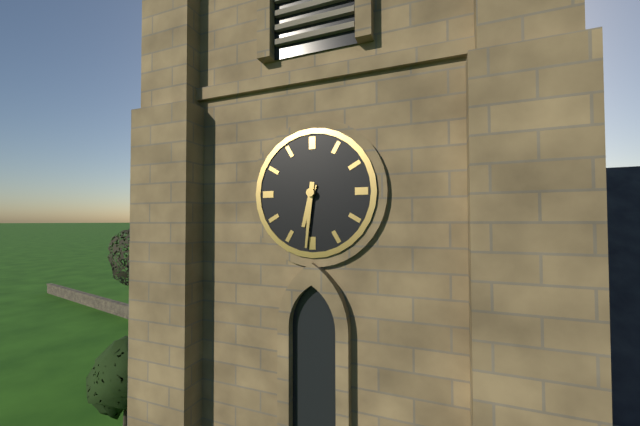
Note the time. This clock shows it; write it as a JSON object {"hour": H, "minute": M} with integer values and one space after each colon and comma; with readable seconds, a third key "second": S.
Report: {"hour": 6, "minute": 31}
